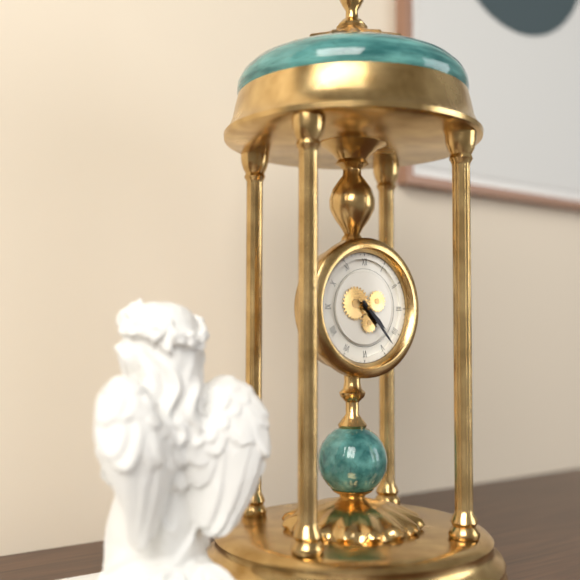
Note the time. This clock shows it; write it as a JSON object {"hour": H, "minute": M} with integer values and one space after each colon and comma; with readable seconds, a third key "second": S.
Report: {"hour": 4, "minute": 23}
